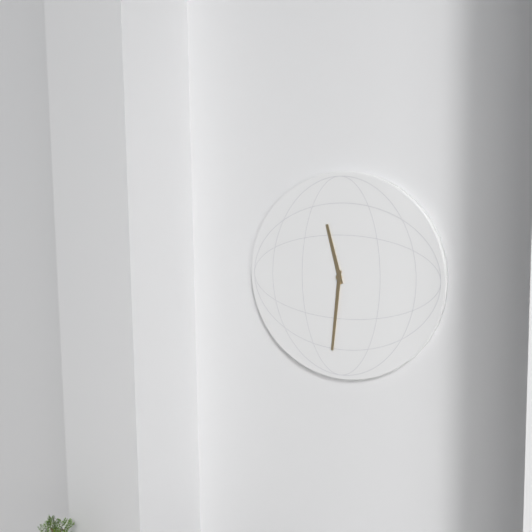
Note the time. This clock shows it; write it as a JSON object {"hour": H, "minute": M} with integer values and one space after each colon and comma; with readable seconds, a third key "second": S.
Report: {"hour": 11, "minute": 31}
